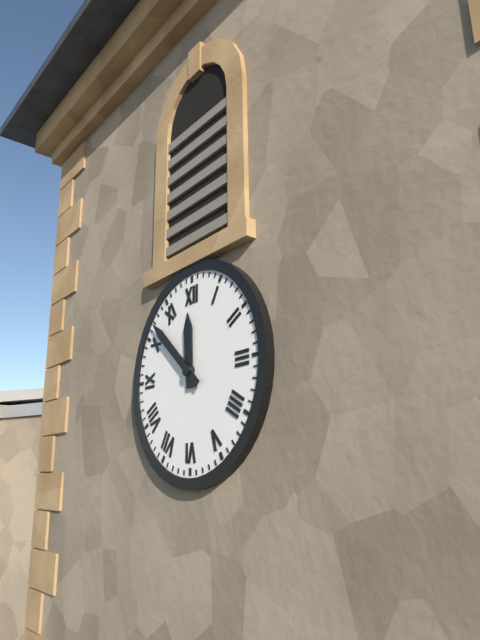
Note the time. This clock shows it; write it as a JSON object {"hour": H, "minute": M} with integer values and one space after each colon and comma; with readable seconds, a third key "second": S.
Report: {"hour": 11, "minute": 52}
